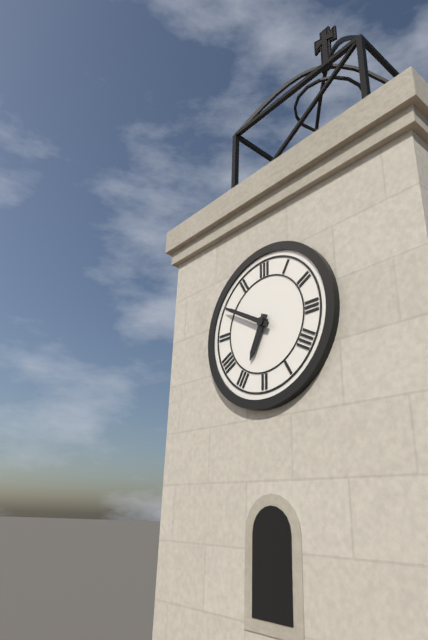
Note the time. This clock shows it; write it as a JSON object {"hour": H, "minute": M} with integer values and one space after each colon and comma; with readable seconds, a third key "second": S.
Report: {"hour": 6, "minute": 50}
